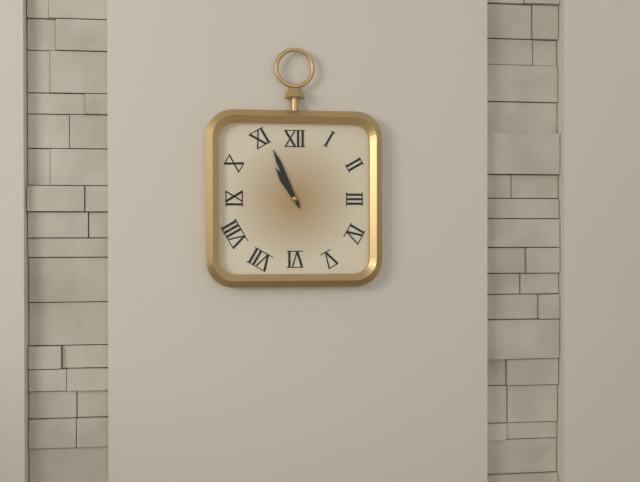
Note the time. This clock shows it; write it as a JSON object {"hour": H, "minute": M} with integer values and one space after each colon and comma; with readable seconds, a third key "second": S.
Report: {"hour": 10, "minute": 56}
